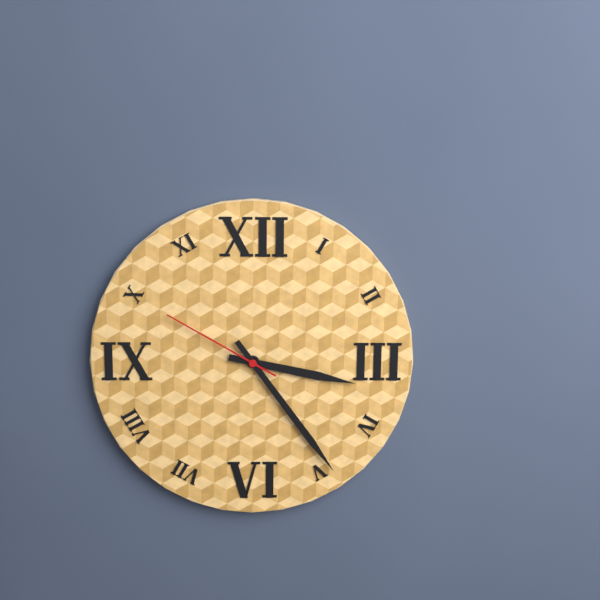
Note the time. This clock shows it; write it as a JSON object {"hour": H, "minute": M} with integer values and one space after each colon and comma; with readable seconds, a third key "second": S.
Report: {"hour": 3, "minute": 24, "second": 50}
